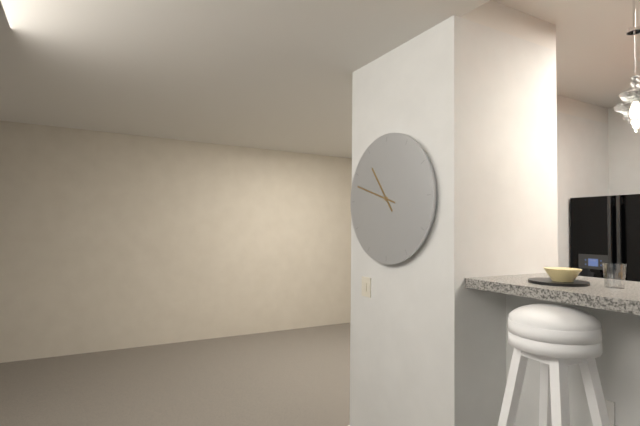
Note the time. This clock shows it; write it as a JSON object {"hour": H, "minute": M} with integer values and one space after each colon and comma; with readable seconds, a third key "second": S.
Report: {"hour": 10, "minute": 48}
